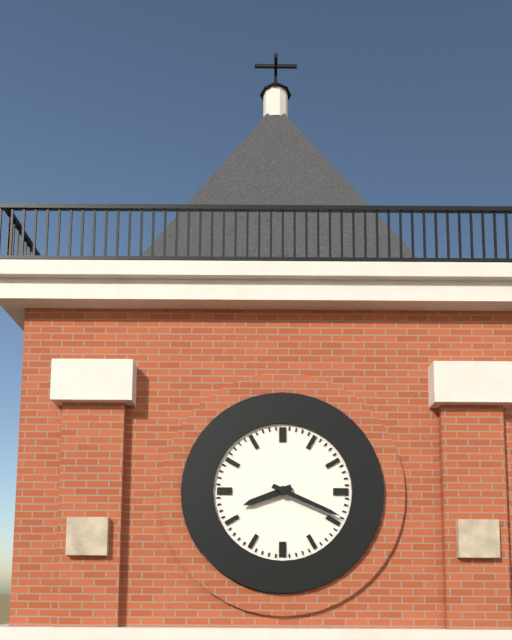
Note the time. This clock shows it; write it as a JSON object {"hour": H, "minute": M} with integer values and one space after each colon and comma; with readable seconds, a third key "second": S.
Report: {"hour": 8, "minute": 19}
